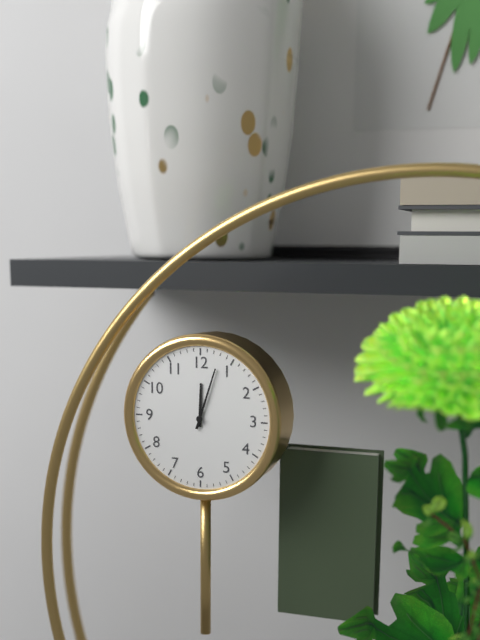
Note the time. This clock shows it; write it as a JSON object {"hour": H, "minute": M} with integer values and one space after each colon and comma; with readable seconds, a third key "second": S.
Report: {"hour": 12, "minute": 3}
